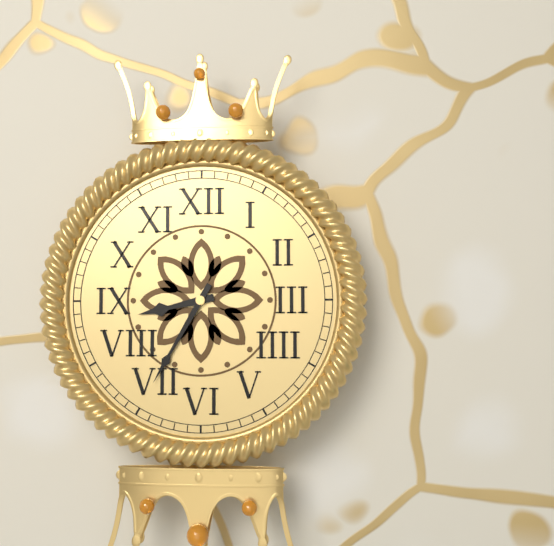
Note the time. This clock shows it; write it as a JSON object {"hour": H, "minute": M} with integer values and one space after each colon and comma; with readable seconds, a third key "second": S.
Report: {"hour": 8, "minute": 35}
